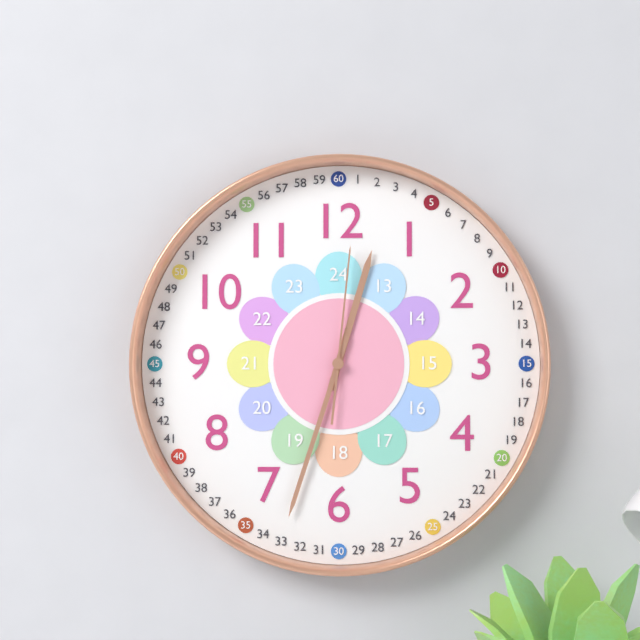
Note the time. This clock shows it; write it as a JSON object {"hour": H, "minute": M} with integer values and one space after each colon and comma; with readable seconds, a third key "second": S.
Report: {"hour": 12, "minute": 33, "second": 1}
